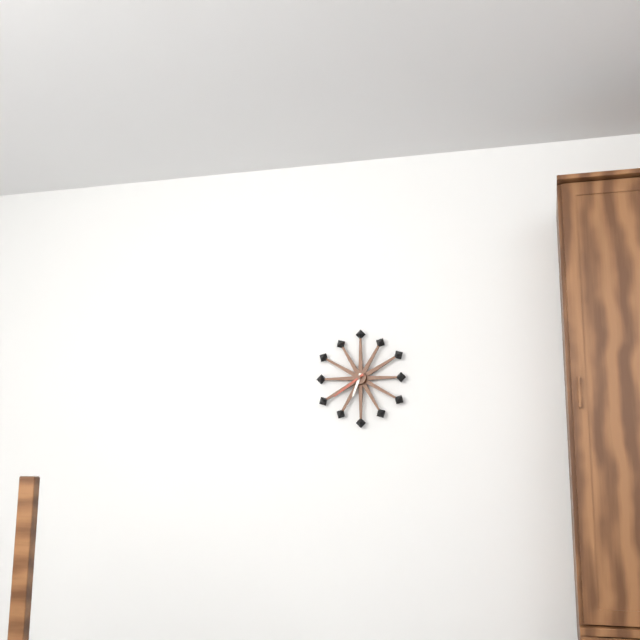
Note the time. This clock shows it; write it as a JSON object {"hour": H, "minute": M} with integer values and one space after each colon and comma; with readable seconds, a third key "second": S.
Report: {"hour": 6, "minute": 39}
